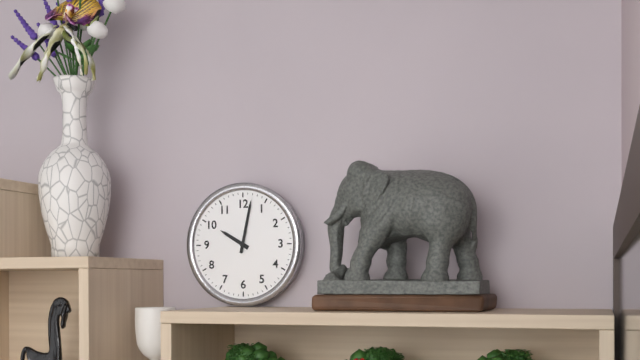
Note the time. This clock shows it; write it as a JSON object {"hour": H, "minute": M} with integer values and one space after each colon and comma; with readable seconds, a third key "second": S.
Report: {"hour": 10, "minute": 2}
